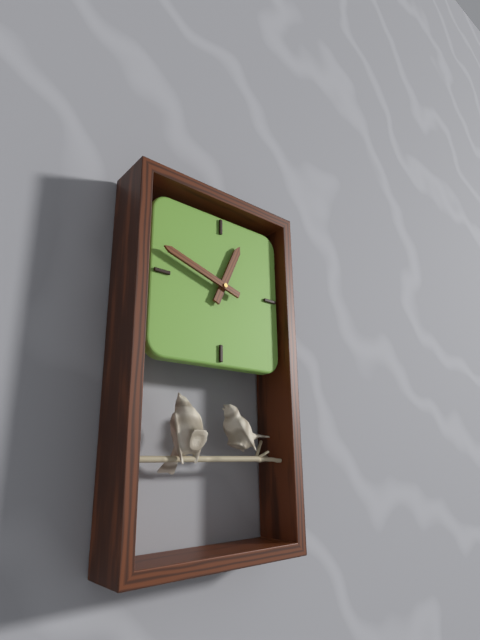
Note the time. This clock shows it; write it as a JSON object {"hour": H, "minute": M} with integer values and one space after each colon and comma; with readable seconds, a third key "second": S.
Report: {"hour": 12, "minute": 48}
